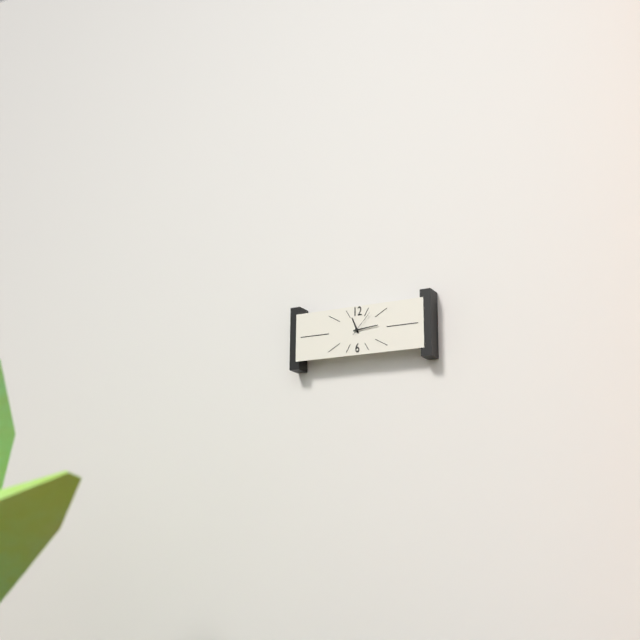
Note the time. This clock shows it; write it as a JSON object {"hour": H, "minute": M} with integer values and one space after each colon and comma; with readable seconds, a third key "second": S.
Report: {"hour": 11, "minute": 14}
